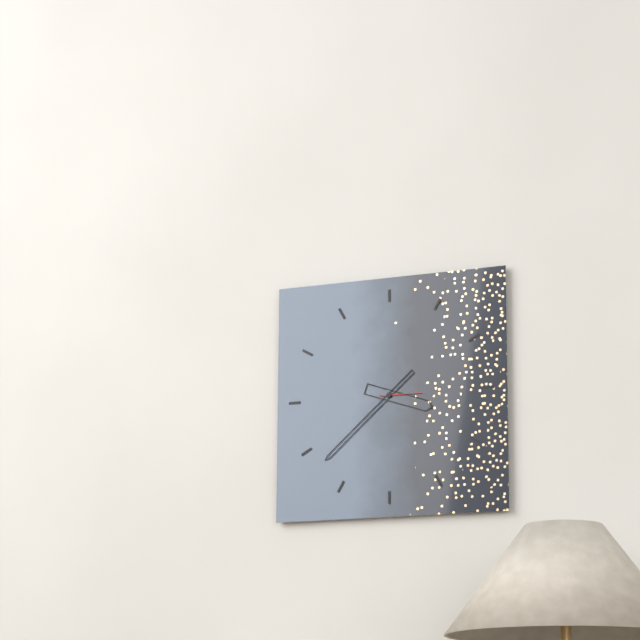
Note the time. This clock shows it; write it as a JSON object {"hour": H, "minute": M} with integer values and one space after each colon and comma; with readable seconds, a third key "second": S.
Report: {"hour": 3, "minute": 38}
